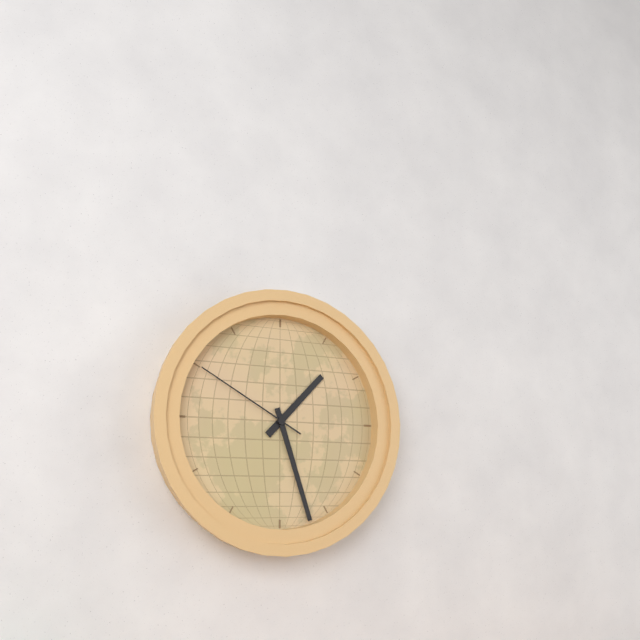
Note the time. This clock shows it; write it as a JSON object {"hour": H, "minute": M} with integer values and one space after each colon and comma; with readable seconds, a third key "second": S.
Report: {"hour": 1, "minute": 27, "second": 50}
